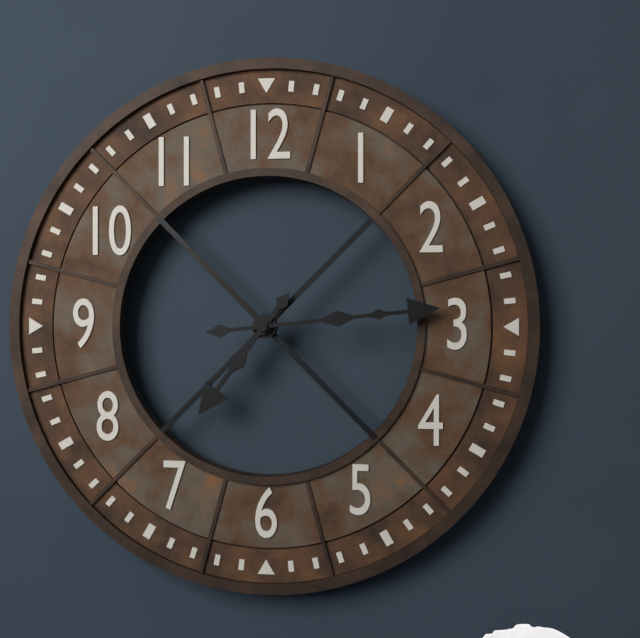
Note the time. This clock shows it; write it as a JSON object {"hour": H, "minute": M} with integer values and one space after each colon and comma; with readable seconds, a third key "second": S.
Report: {"hour": 7, "minute": 14}
